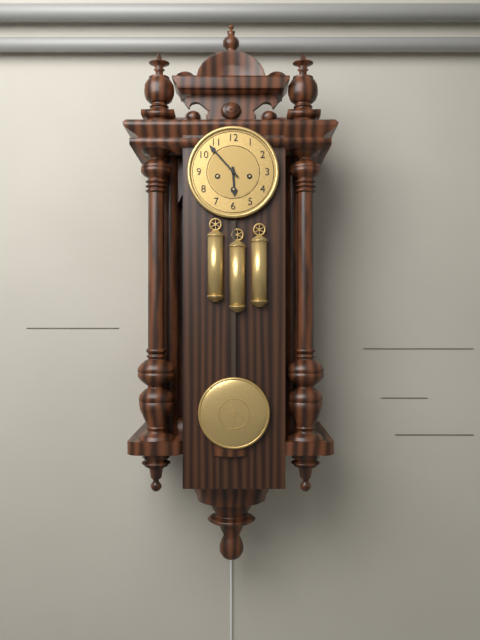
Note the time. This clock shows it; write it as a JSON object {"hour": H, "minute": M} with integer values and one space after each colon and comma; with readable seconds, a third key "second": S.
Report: {"hour": 5, "minute": 53}
